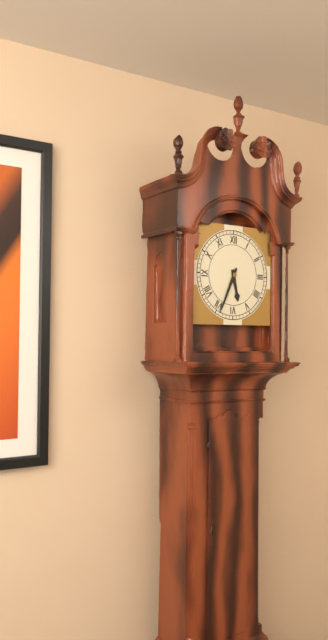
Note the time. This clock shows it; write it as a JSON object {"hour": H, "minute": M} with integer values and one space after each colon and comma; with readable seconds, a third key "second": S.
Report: {"hour": 5, "minute": 34}
